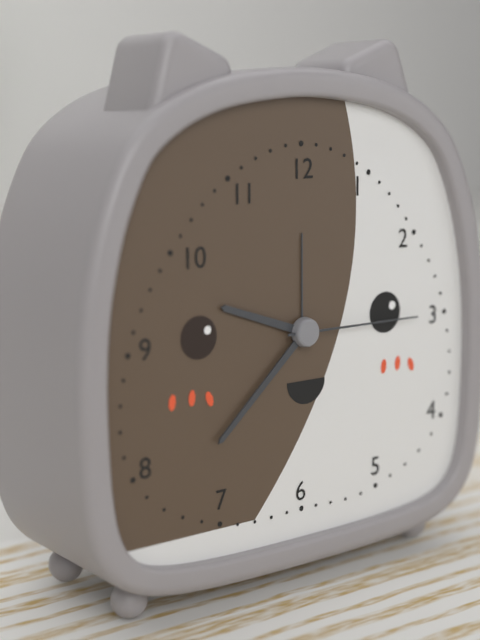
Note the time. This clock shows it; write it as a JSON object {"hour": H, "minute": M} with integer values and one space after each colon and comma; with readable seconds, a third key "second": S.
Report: {"hour": 9, "minute": 38, "second": 15}
